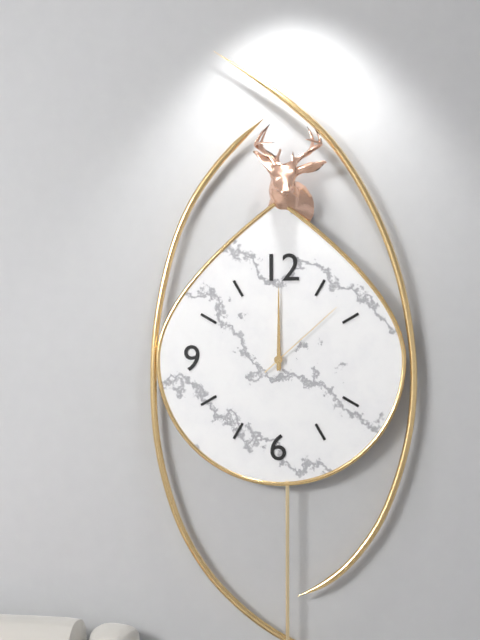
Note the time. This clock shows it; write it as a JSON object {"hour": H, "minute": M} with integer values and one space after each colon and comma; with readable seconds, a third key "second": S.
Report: {"hour": 12, "minute": 0, "second": 8}
